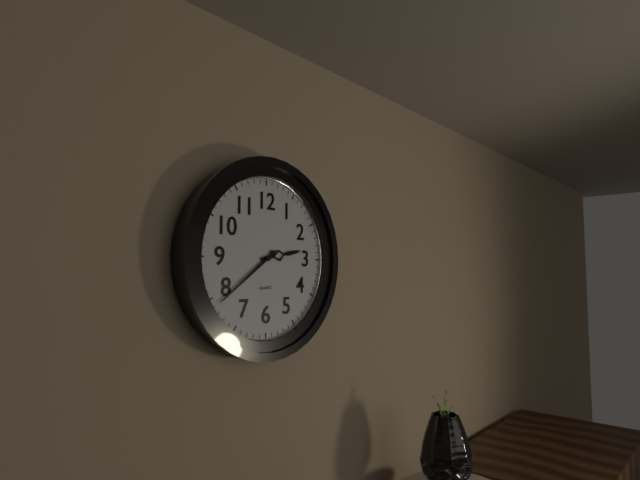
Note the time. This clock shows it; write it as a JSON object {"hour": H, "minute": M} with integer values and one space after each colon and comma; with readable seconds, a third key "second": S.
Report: {"hour": 2, "minute": 39}
